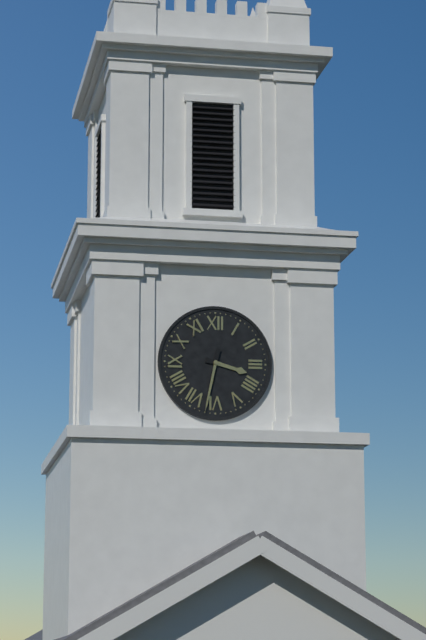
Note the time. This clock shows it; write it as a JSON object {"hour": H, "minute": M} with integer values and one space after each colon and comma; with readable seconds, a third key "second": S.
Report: {"hour": 3, "minute": 32}
